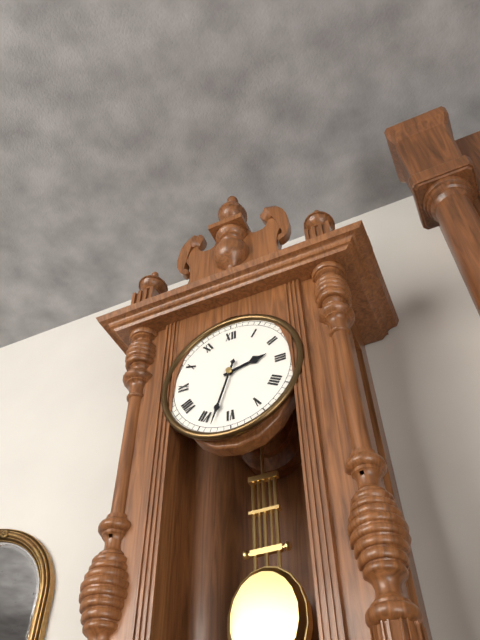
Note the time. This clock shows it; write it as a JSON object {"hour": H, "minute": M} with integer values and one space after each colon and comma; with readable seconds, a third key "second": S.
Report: {"hour": 2, "minute": 33}
